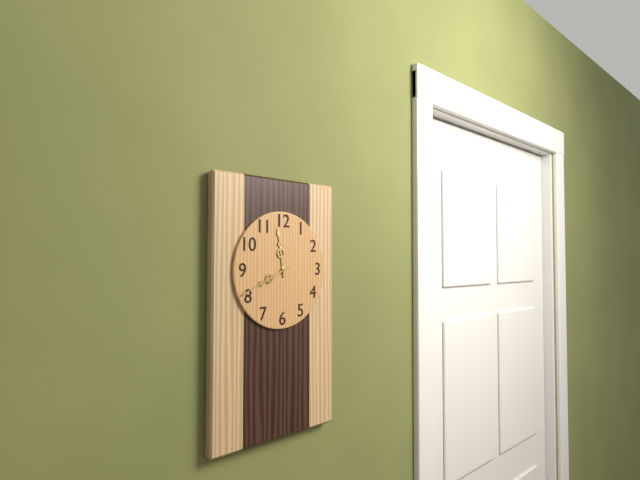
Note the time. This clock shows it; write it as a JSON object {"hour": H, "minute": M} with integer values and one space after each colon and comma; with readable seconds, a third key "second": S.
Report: {"hour": 11, "minute": 41}
